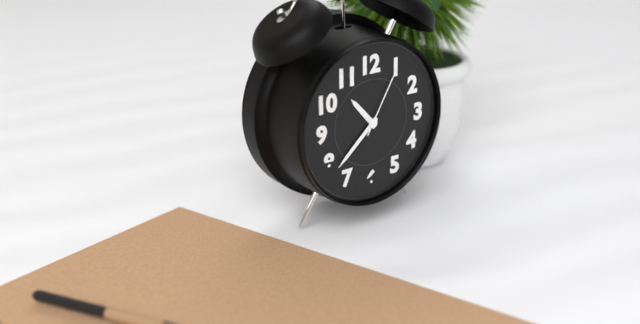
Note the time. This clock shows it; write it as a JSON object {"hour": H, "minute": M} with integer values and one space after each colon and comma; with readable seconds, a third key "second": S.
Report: {"hour": 10, "minute": 38, "second": 5}
